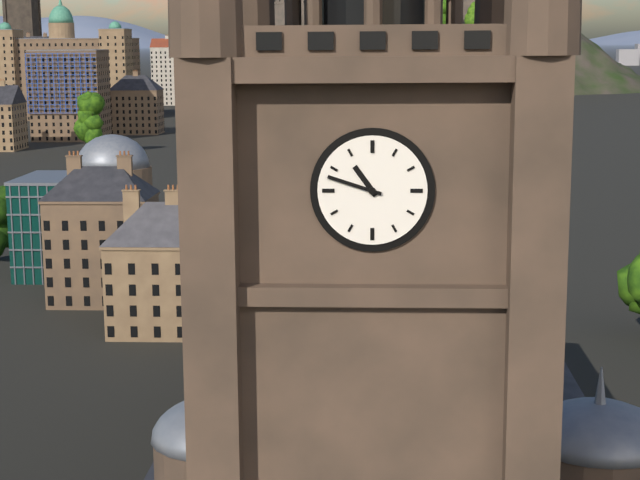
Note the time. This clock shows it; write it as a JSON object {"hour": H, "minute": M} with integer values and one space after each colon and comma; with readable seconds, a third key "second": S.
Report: {"hour": 10, "minute": 48}
